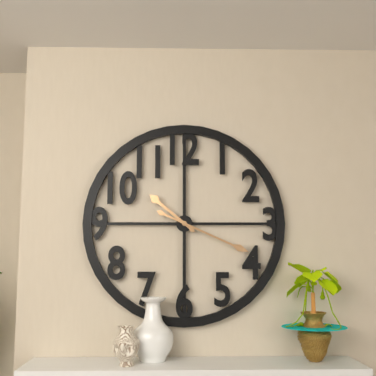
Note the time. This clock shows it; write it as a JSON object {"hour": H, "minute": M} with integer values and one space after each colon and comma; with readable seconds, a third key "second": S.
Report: {"hour": 10, "minute": 19}
